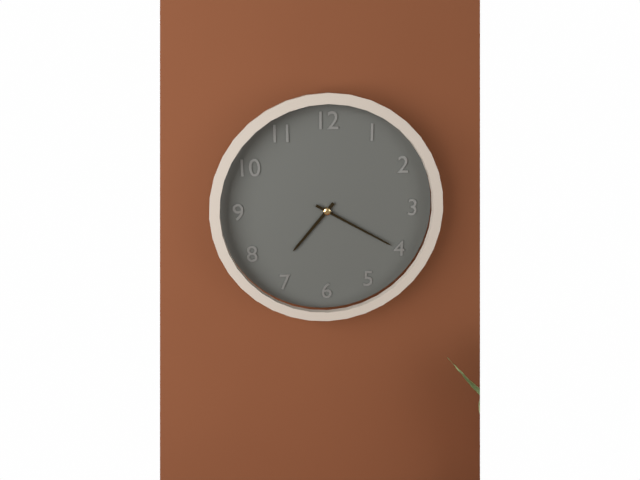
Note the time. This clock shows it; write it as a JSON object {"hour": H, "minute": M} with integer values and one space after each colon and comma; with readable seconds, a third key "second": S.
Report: {"hour": 7, "minute": 20}
